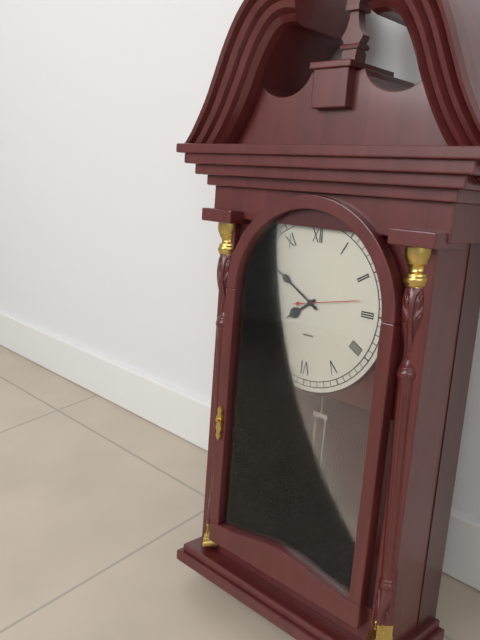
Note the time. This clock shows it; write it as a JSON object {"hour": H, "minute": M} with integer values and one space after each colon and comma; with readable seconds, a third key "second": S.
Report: {"hour": 7, "minute": 50, "second": 13}
